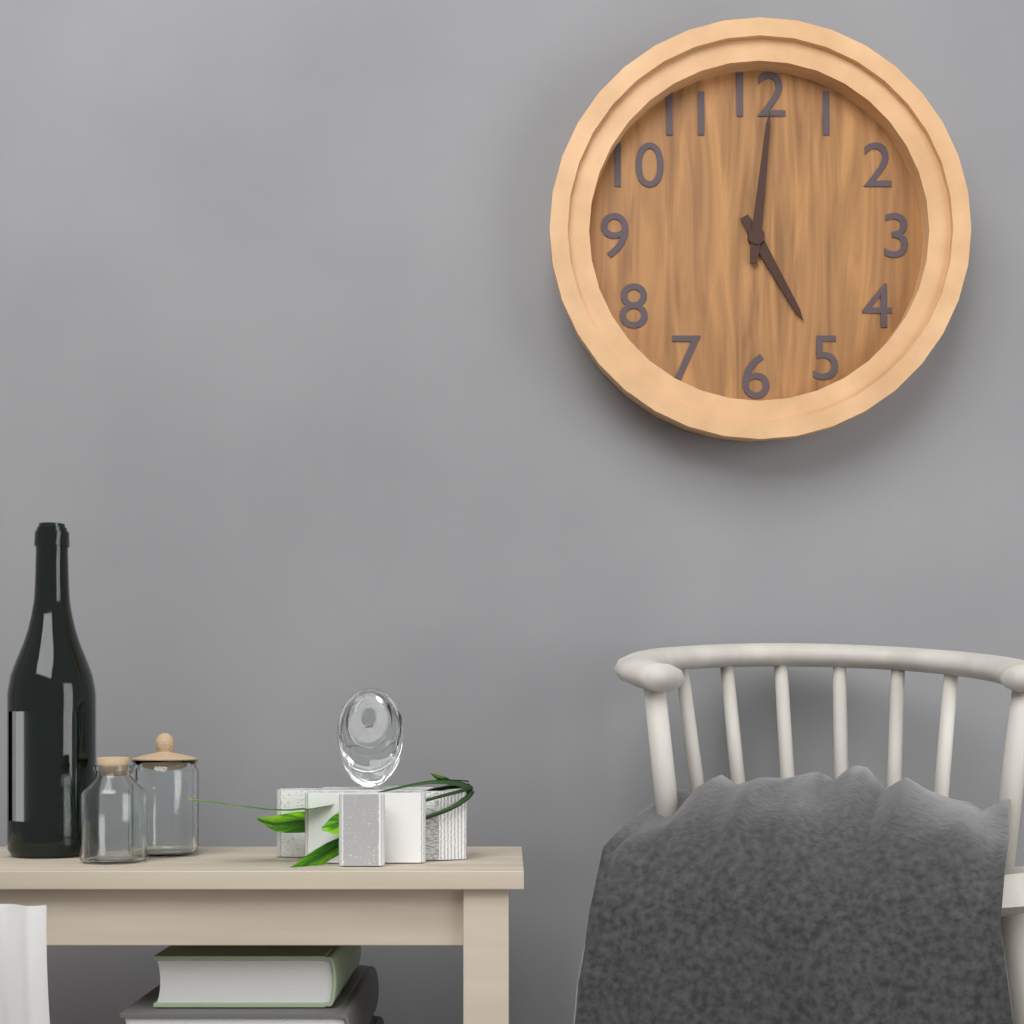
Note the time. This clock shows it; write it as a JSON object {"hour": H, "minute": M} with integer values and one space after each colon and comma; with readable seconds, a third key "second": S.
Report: {"hour": 5, "minute": 1}
